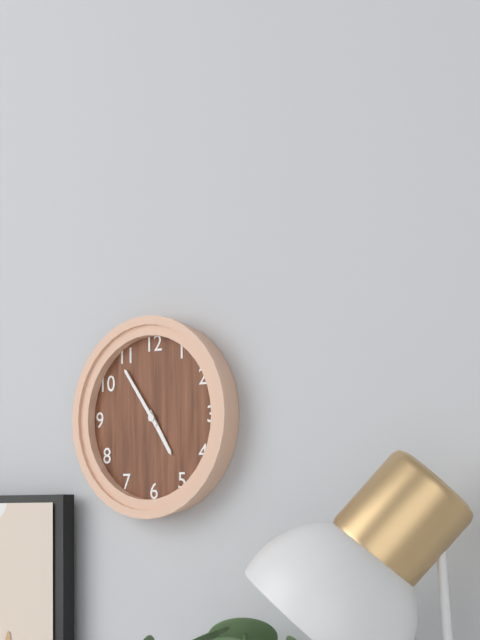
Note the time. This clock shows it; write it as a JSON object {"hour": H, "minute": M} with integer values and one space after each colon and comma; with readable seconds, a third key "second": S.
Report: {"hour": 4, "minute": 54}
